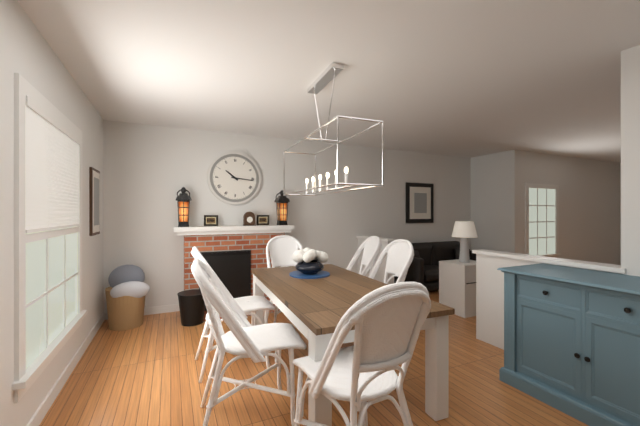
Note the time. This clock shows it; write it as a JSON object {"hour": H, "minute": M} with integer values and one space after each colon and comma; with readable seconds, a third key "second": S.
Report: {"hour": 10, "minute": 16}
